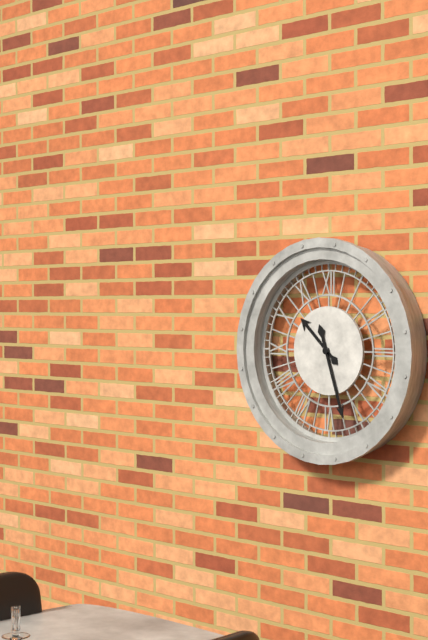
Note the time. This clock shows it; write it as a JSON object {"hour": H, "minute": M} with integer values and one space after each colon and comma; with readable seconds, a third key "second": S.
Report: {"hour": 10, "minute": 27}
